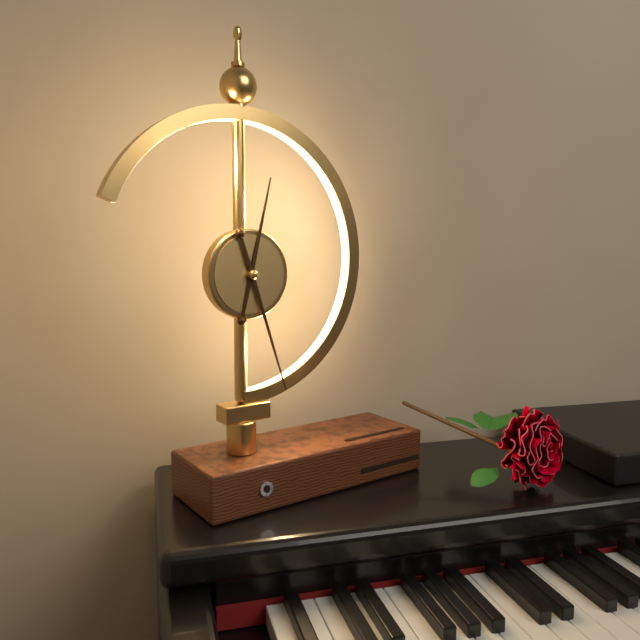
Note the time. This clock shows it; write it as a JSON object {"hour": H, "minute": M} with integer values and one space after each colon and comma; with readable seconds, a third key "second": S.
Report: {"hour": 12, "minute": 27}
